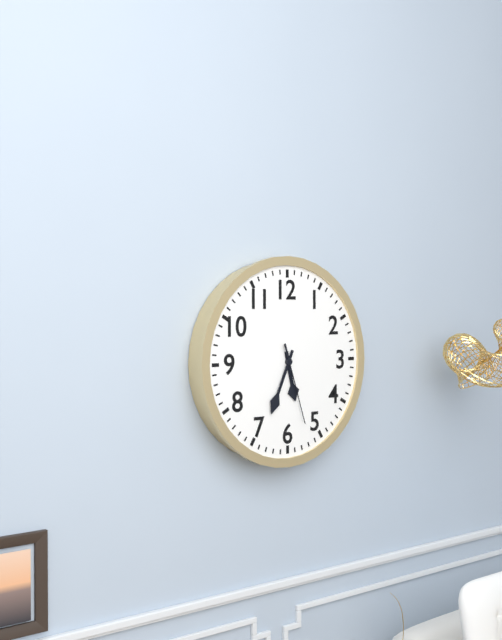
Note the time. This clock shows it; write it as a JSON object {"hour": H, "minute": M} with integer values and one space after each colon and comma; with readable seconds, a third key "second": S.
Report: {"hour": 5, "minute": 34, "second": 27}
